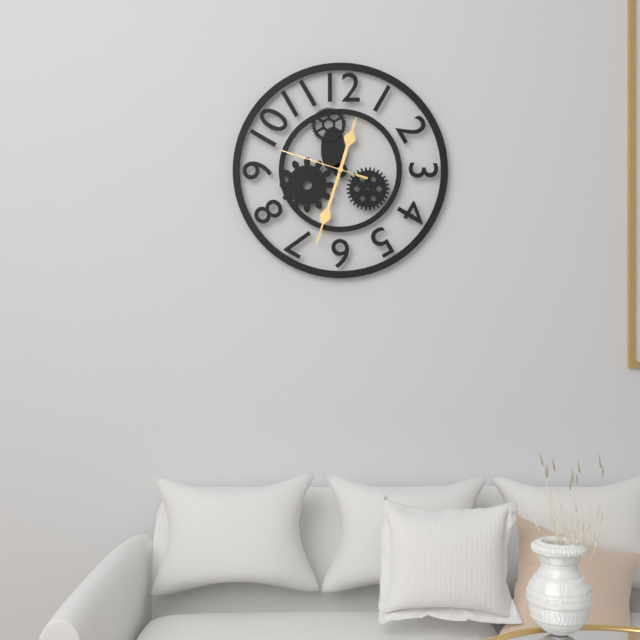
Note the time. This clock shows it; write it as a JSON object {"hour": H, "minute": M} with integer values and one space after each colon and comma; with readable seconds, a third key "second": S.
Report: {"hour": 12, "minute": 33, "second": 48}
